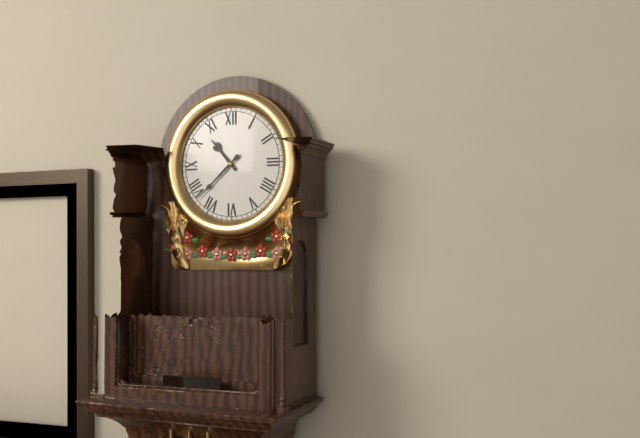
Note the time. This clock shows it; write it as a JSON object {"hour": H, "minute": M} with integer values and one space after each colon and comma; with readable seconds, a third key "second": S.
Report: {"hour": 10, "minute": 38}
